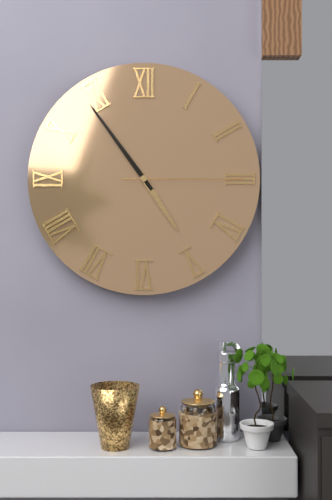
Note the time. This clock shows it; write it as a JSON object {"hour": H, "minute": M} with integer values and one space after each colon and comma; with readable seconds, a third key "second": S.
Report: {"hour": 4, "minute": 54, "second": 15}
